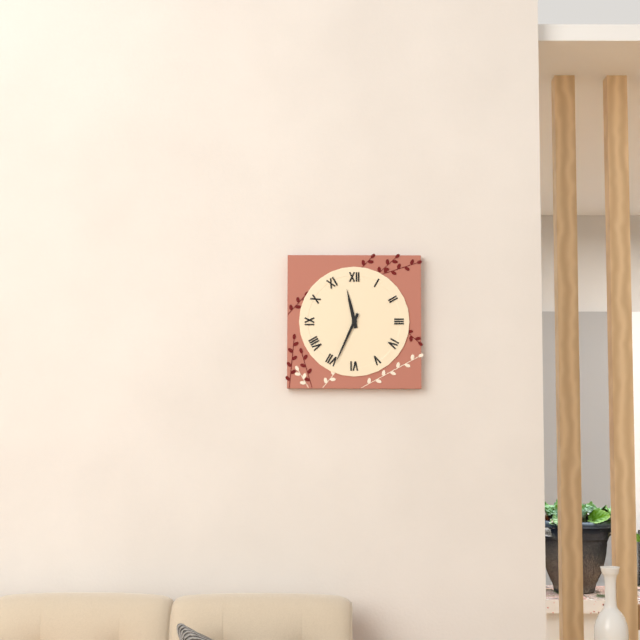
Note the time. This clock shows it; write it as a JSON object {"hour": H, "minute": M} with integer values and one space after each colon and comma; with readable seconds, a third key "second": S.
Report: {"hour": 11, "minute": 34}
